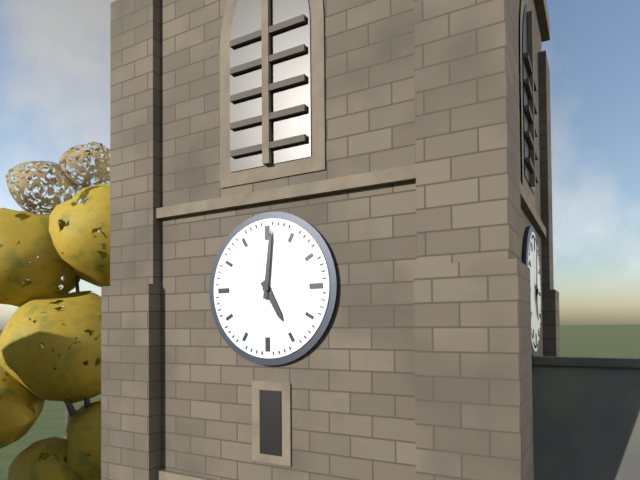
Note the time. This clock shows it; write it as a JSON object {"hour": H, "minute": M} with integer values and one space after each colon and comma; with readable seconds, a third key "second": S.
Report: {"hour": 5, "minute": 1}
